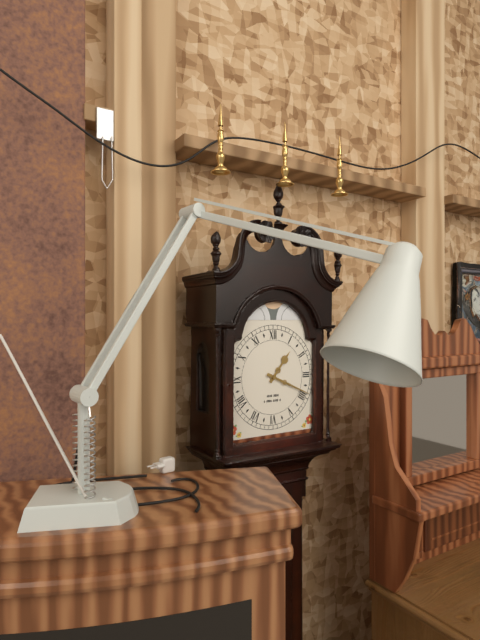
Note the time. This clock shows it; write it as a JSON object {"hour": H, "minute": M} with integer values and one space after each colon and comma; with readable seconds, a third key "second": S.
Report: {"hour": 1, "minute": 19}
